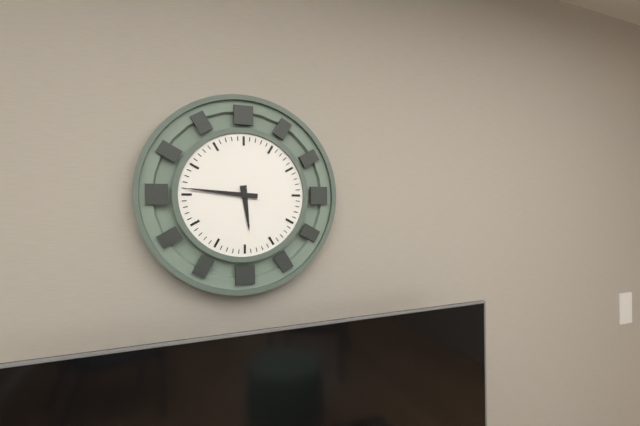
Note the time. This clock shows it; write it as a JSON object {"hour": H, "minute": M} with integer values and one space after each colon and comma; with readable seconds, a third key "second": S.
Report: {"hour": 5, "minute": 46}
